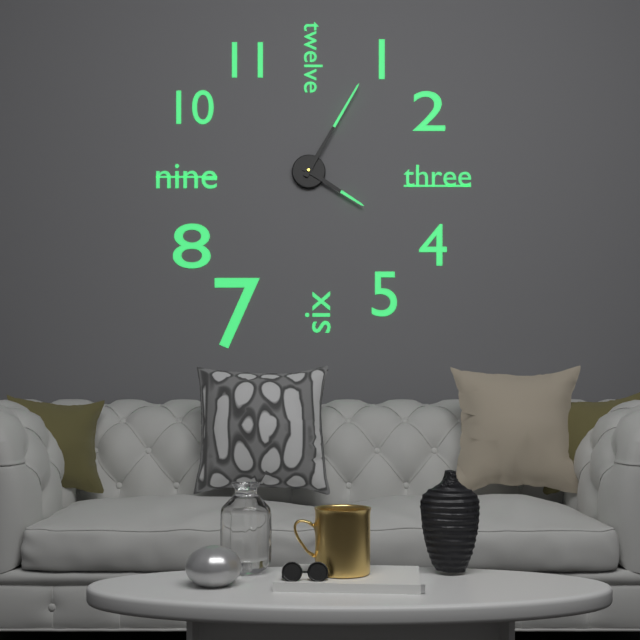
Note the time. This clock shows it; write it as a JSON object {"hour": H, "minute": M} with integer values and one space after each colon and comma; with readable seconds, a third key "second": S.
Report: {"hour": 4, "minute": 5}
